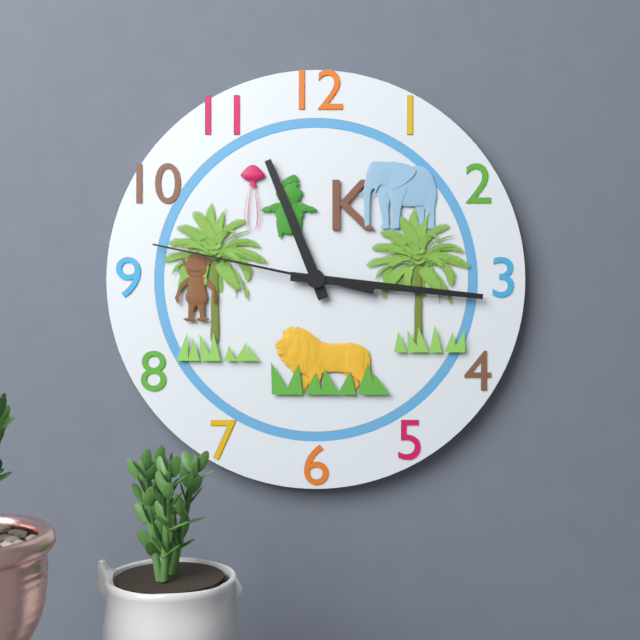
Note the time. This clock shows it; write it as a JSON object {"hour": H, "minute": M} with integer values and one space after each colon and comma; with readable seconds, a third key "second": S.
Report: {"hour": 11, "minute": 16, "second": 47}
